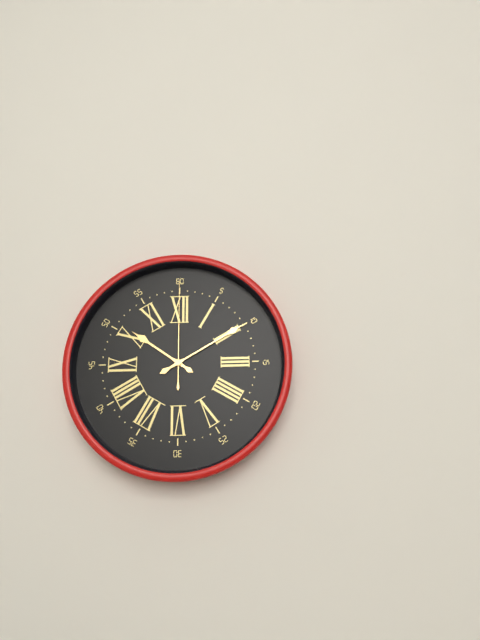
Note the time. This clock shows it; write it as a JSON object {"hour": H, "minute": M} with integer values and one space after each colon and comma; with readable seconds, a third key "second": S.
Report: {"hour": 10, "minute": 10, "second": 0}
